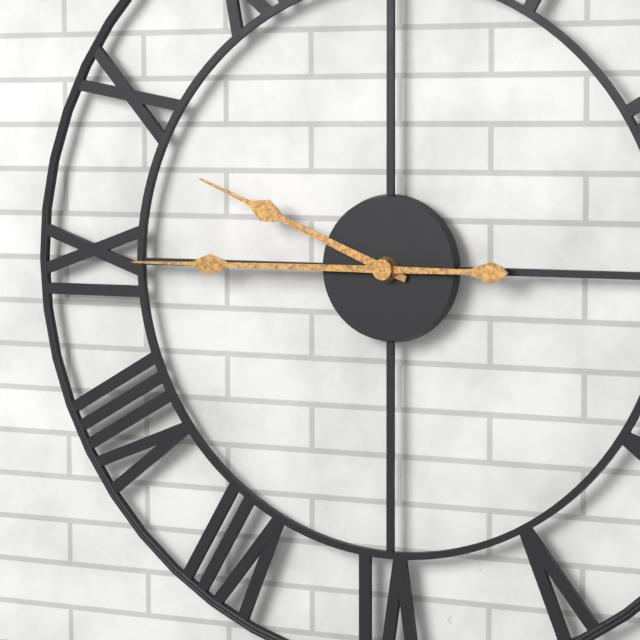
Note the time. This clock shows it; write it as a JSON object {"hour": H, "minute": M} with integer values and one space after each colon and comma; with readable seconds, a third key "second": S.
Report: {"hour": 9, "minute": 45}
